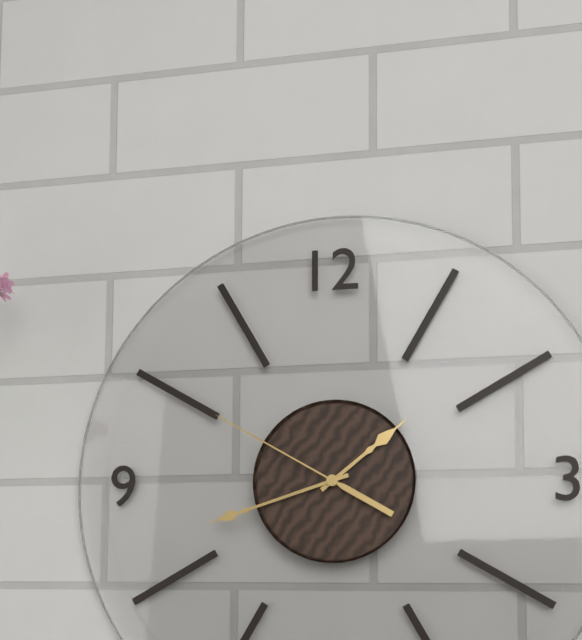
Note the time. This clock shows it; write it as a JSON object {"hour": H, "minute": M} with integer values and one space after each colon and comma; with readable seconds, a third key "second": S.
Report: {"hour": 1, "minute": 42, "second": 50}
